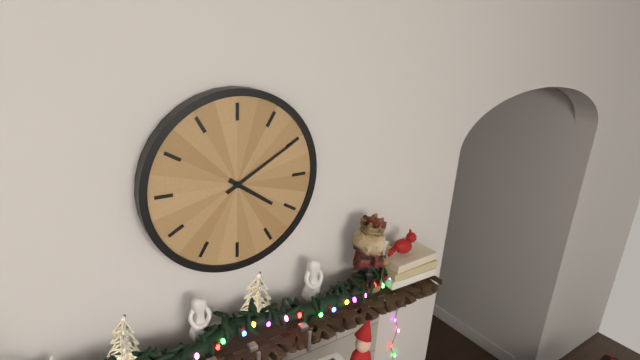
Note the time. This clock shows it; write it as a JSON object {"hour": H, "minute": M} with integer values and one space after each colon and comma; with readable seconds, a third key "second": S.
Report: {"hour": 4, "minute": 10}
